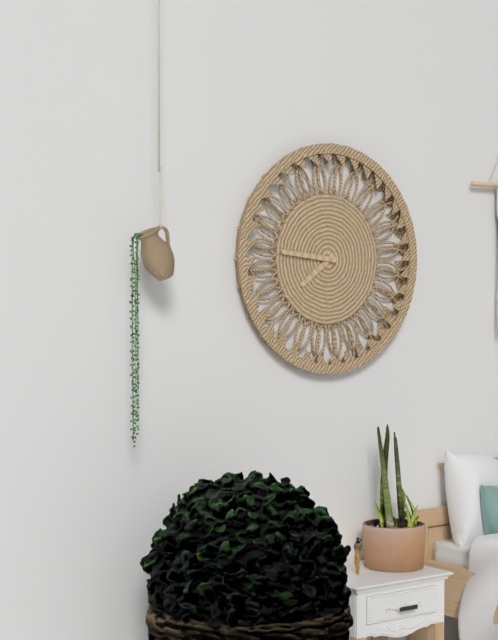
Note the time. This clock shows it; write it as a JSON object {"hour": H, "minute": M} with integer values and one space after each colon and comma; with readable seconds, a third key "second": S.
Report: {"hour": 7, "minute": 46}
